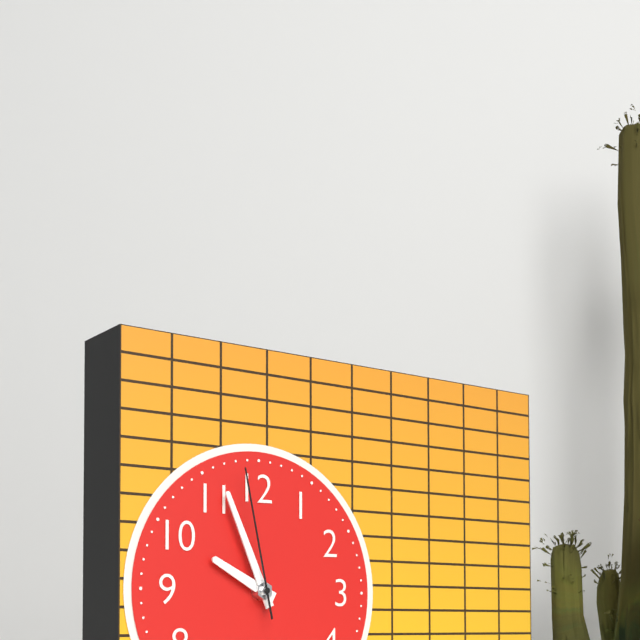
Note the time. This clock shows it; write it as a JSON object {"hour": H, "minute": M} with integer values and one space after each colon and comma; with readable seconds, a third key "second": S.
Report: {"hour": 9, "minute": 56, "second": 58}
